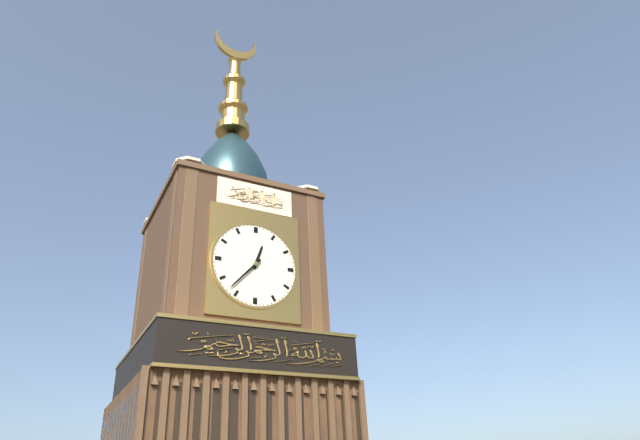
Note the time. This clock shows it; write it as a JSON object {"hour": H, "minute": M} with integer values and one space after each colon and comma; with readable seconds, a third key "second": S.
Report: {"hour": 12, "minute": 37}
